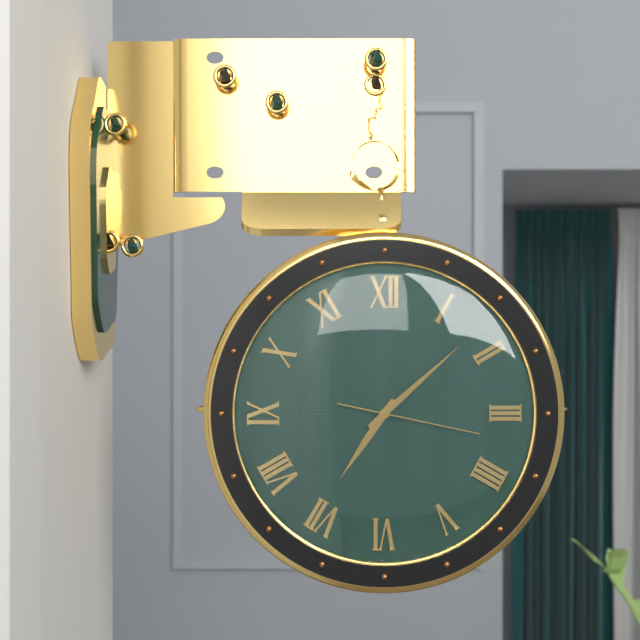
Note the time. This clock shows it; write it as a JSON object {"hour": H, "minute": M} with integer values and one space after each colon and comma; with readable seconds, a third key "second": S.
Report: {"hour": 7, "minute": 8, "second": 17}
